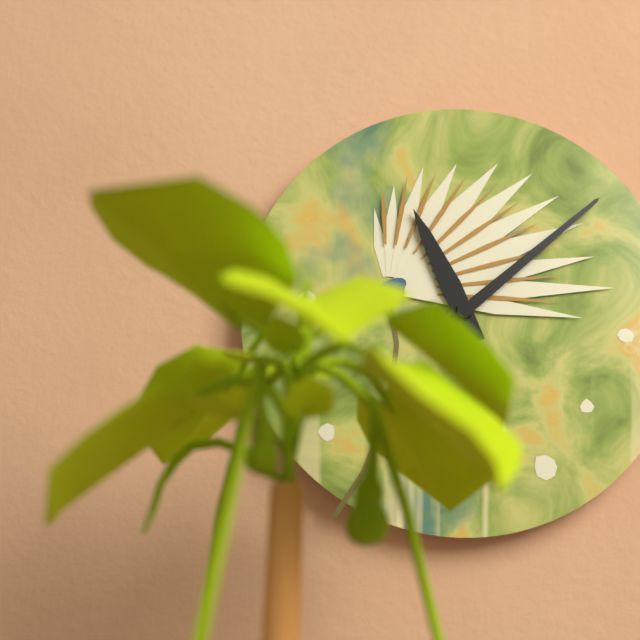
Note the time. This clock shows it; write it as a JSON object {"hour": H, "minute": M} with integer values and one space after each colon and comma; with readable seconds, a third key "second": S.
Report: {"hour": 11, "minute": 8}
